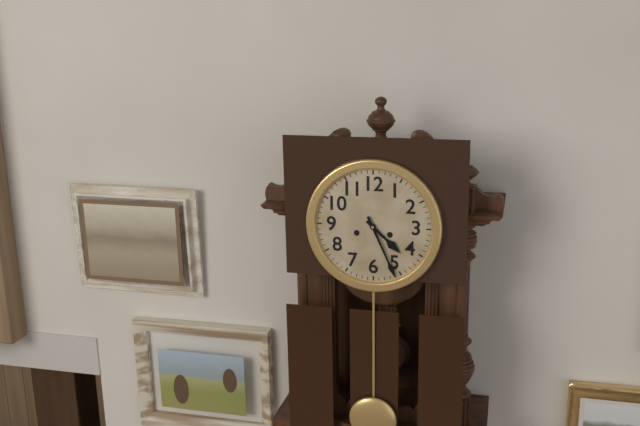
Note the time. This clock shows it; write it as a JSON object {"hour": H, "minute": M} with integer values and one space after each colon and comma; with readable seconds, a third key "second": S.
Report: {"hour": 4, "minute": 26}
